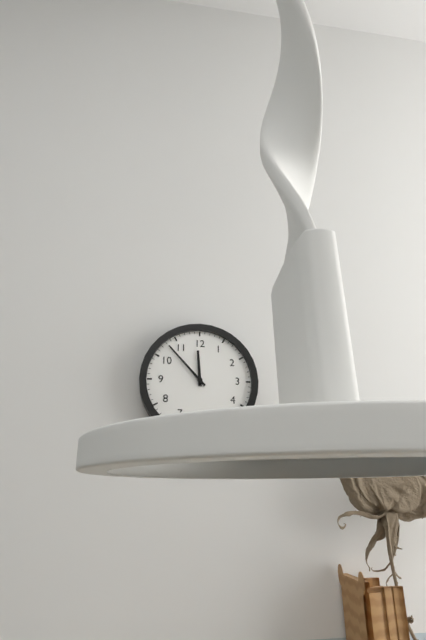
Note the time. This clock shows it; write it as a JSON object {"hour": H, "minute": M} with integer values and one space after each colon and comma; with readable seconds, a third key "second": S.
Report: {"hour": 11, "minute": 53}
